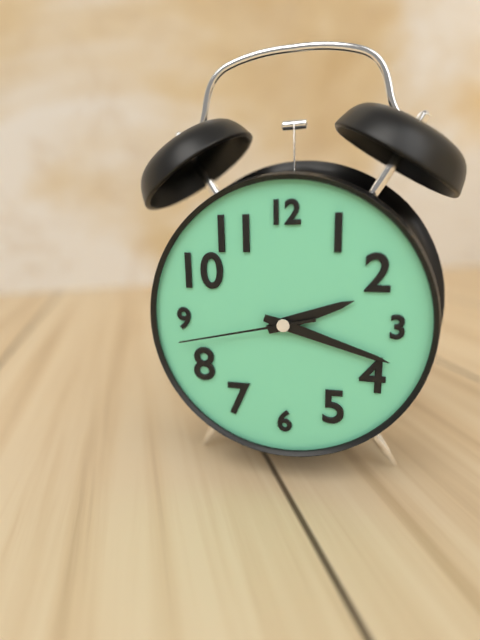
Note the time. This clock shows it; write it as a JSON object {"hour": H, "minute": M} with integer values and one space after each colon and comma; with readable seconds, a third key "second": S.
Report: {"hour": 2, "minute": 18, "second": 43}
